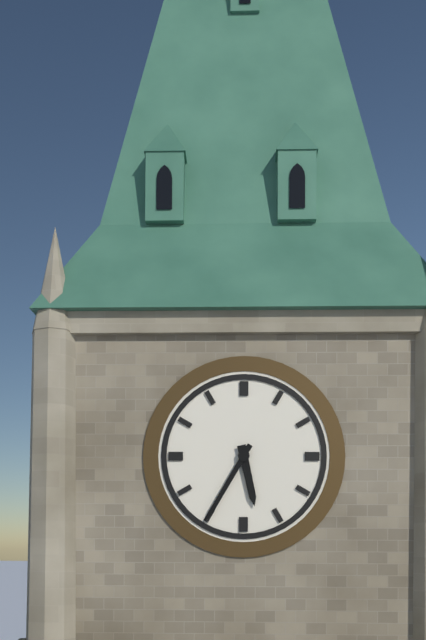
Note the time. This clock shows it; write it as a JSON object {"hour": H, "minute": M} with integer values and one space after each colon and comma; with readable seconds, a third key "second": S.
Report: {"hour": 5, "minute": 35}
